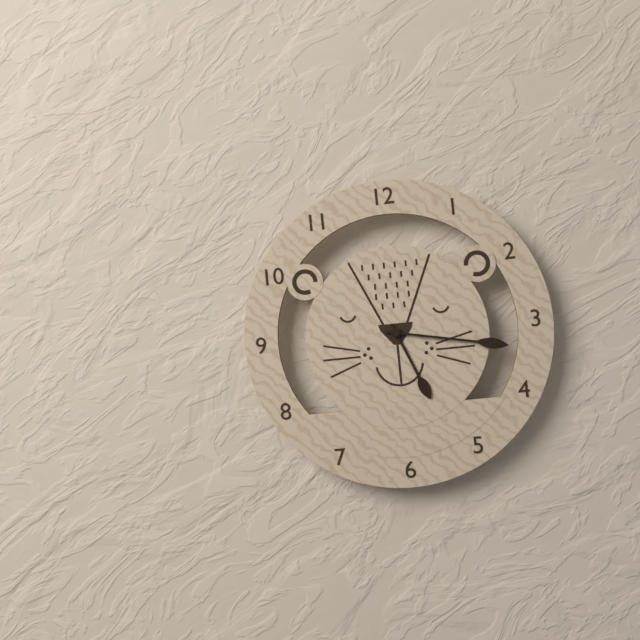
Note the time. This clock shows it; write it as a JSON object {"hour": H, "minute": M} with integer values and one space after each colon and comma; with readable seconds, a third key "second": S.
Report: {"hour": 5, "minute": 17}
